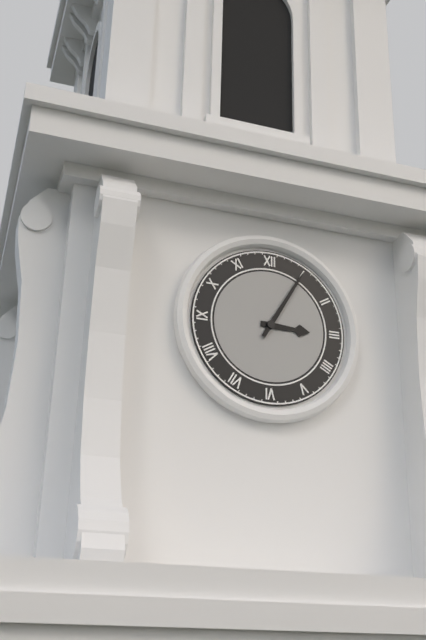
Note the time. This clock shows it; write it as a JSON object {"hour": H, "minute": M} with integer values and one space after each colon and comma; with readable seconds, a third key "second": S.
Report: {"hour": 3, "minute": 5}
